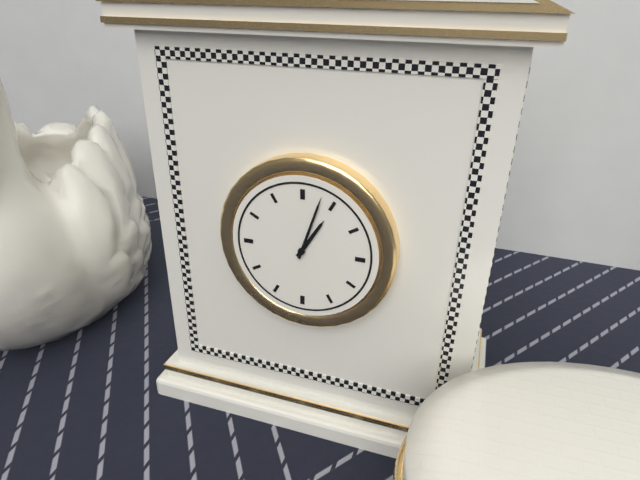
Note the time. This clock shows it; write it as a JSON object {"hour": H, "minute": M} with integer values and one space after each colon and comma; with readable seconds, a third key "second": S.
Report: {"hour": 1, "minute": 3}
